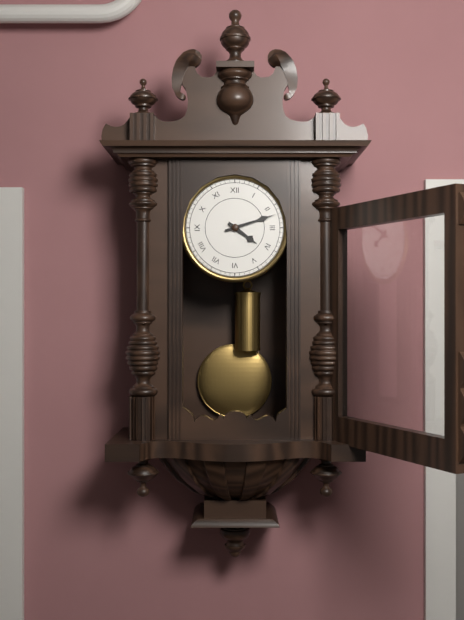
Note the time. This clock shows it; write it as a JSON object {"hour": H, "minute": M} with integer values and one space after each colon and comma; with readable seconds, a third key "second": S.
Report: {"hour": 4, "minute": 12}
